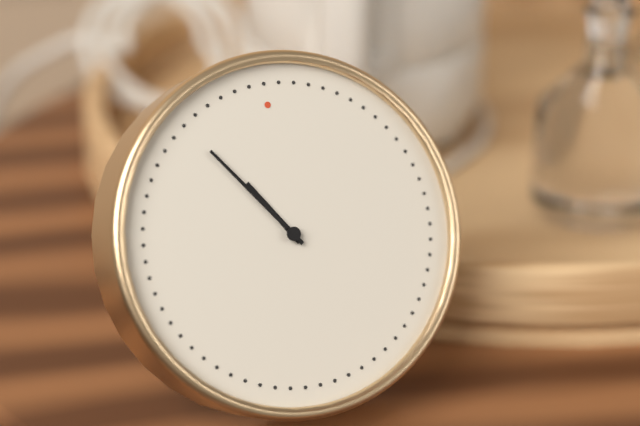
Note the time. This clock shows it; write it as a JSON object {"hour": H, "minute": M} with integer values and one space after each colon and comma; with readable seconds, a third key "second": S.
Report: {"hour": 10, "minute": 54}
